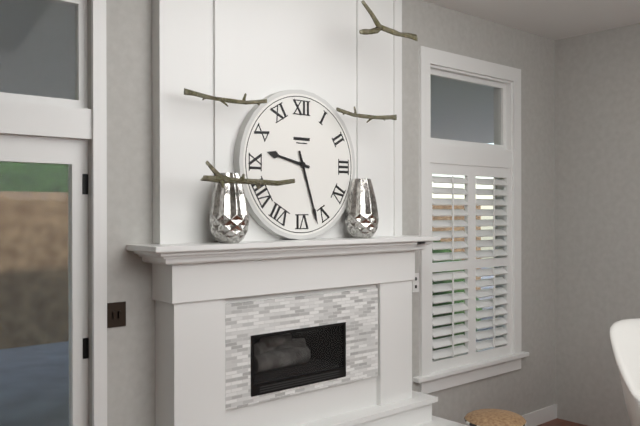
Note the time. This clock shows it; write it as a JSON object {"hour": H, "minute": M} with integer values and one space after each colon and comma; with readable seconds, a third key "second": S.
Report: {"hour": 9, "minute": 27}
